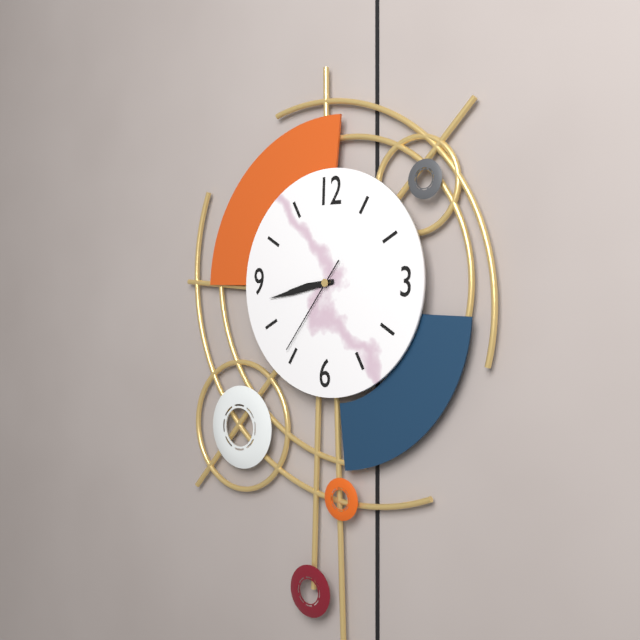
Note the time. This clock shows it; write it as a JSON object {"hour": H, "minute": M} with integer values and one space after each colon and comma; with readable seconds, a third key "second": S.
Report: {"hour": 8, "minute": 43, "second": 36}
